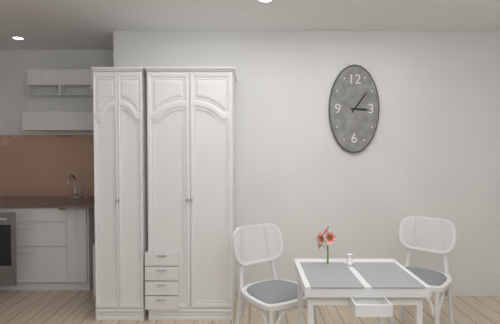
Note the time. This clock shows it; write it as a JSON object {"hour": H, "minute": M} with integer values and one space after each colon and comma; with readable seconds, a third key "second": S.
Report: {"hour": 3, "minute": 6}
